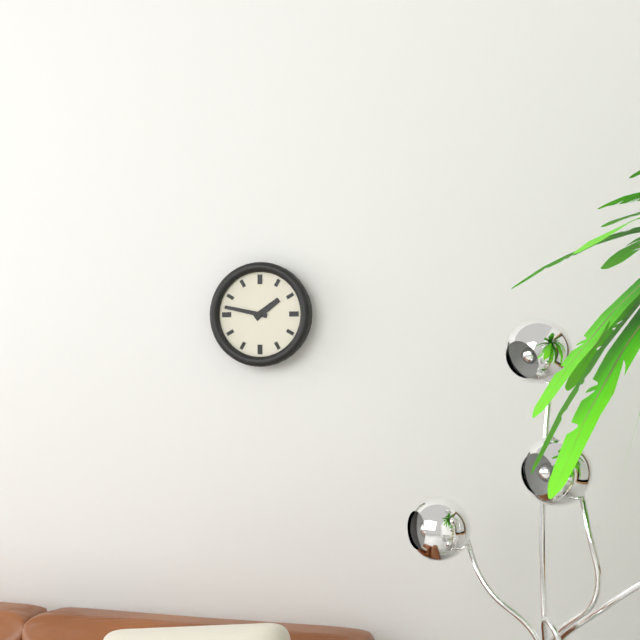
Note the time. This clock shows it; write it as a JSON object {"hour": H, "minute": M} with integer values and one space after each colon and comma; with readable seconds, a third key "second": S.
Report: {"hour": 1, "minute": 47}
